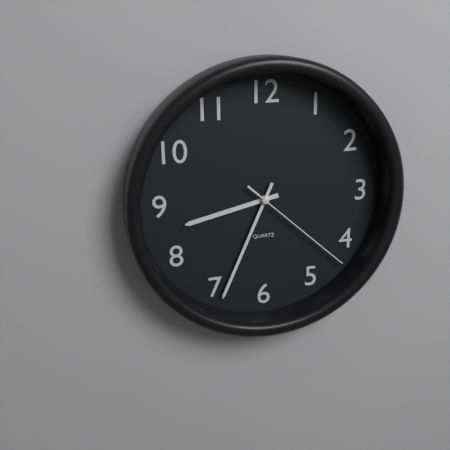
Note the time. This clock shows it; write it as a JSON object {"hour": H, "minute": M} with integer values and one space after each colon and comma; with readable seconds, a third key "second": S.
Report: {"hour": 8, "minute": 34, "second": 22}
